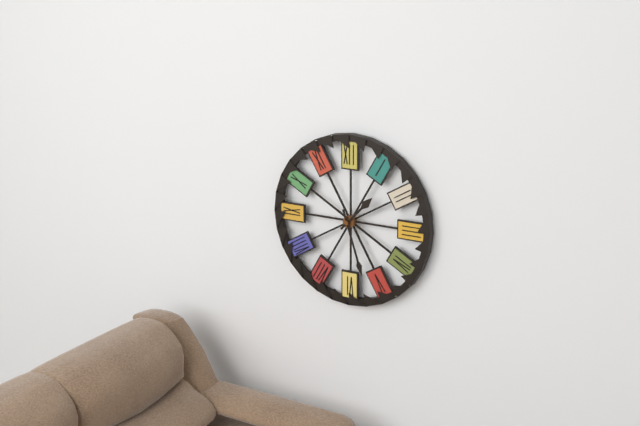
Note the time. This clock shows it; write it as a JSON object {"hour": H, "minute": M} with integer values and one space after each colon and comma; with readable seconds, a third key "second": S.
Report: {"hour": 1, "minute": 27}
